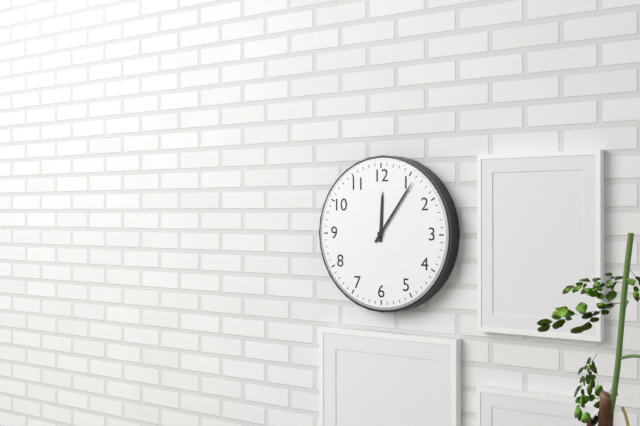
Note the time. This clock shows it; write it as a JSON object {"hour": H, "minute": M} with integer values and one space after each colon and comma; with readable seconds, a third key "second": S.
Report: {"hour": 12, "minute": 6}
